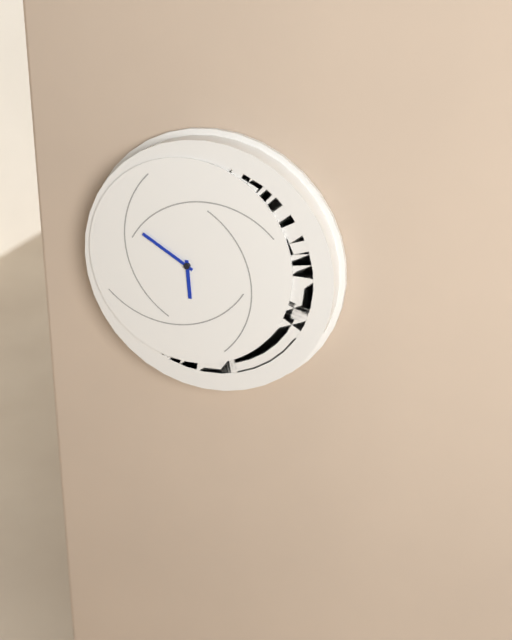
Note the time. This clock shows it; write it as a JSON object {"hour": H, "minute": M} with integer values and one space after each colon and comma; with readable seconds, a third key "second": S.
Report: {"hour": 5, "minute": 50}
